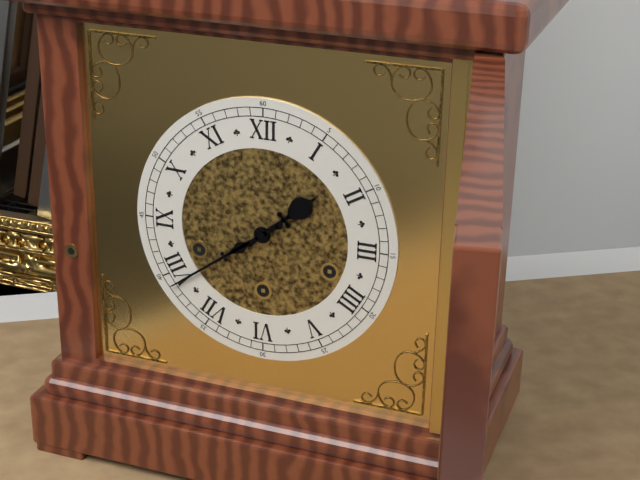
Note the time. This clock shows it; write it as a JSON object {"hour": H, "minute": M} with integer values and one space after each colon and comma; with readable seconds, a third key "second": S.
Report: {"hour": 1, "minute": 39}
